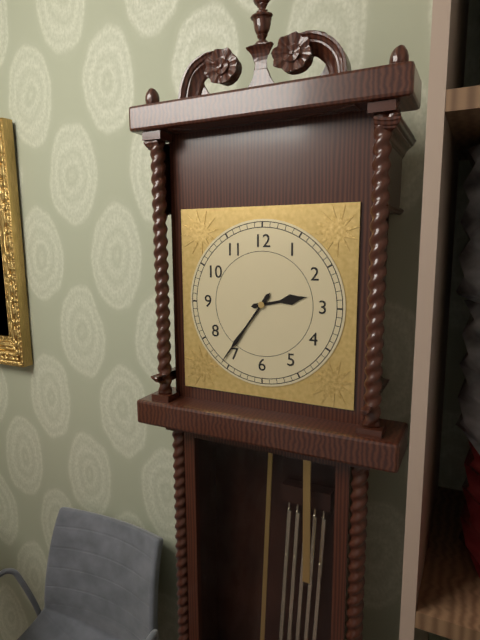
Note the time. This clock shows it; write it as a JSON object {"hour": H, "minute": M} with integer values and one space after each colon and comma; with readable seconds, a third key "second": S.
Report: {"hour": 2, "minute": 36}
